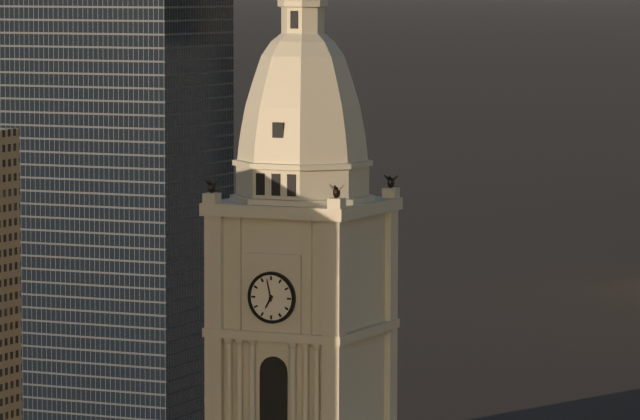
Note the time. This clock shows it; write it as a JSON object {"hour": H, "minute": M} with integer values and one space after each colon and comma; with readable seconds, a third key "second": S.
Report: {"hour": 6, "minute": 58}
